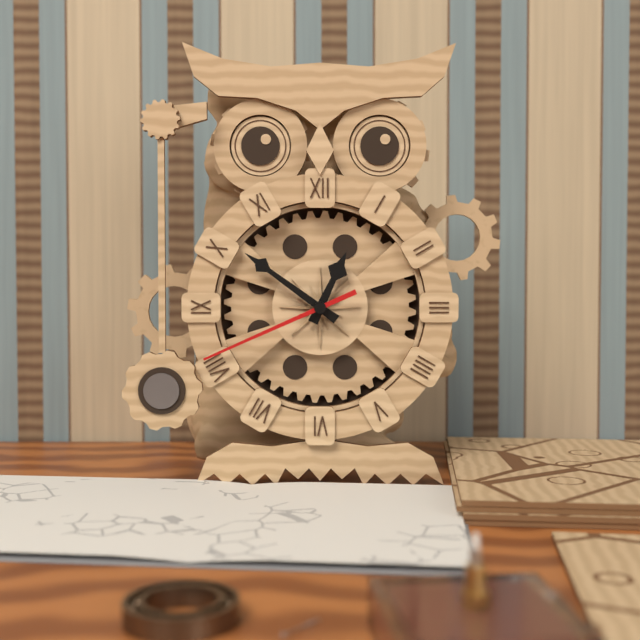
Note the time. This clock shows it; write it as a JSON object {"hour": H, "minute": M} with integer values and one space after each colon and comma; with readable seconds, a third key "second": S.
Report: {"hour": 12, "minute": 51, "second": 41}
